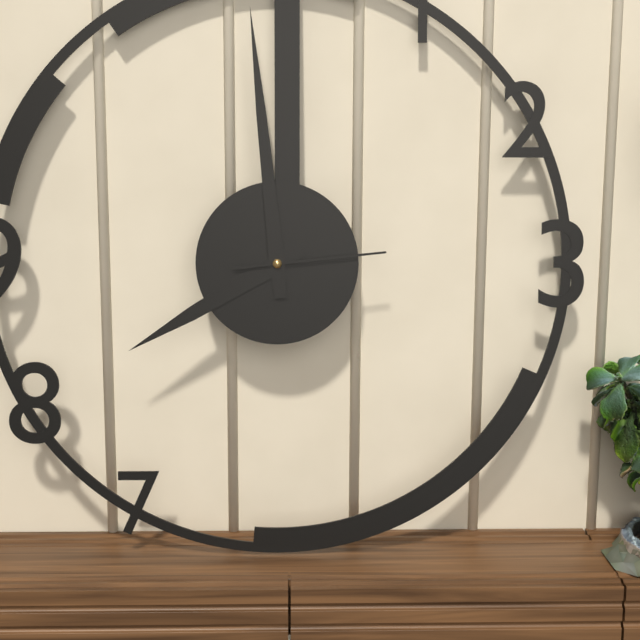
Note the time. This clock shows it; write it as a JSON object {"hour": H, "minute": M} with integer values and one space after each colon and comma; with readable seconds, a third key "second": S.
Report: {"hour": 7, "minute": 59, "second": 14}
